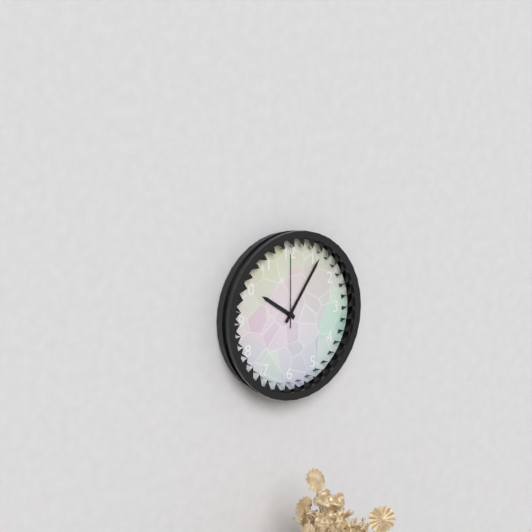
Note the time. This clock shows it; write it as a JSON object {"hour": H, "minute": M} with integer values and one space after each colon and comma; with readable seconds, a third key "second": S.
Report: {"hour": 10, "minute": 6, "second": 0}
